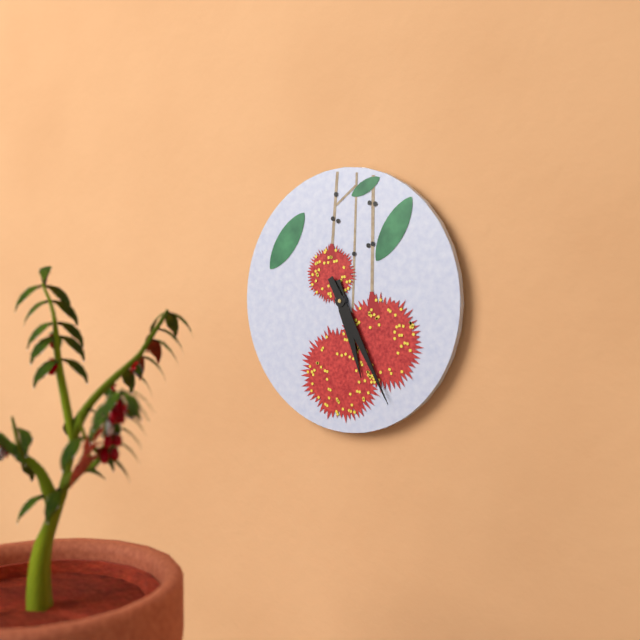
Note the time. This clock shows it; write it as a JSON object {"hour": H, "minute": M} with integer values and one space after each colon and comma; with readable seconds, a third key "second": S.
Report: {"hour": 5, "minute": 25}
